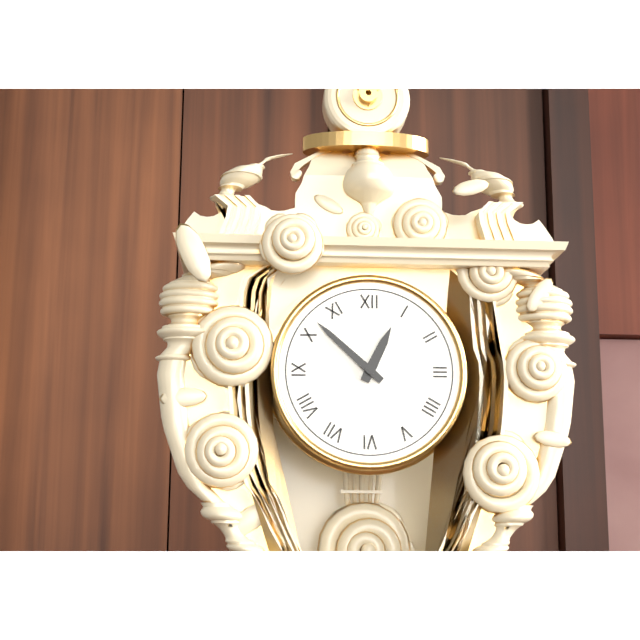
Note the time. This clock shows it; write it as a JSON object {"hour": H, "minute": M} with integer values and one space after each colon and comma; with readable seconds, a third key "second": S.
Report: {"hour": 12, "minute": 52}
